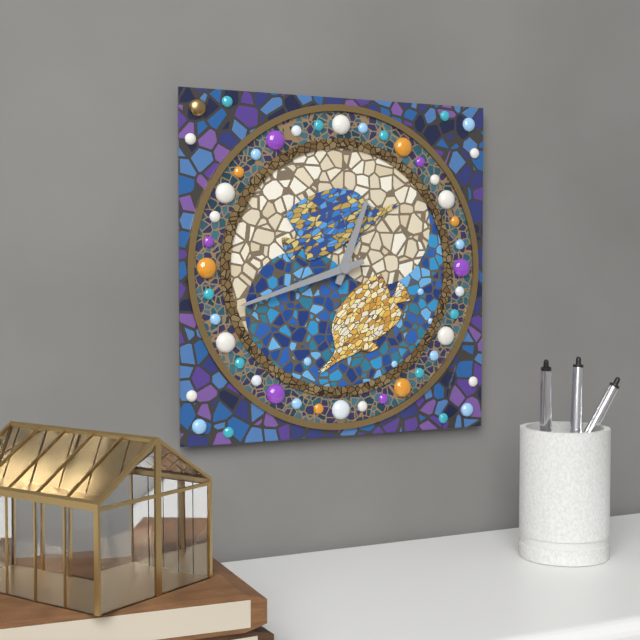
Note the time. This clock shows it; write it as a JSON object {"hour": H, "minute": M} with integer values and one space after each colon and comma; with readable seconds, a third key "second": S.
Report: {"hour": 12, "minute": 42}
